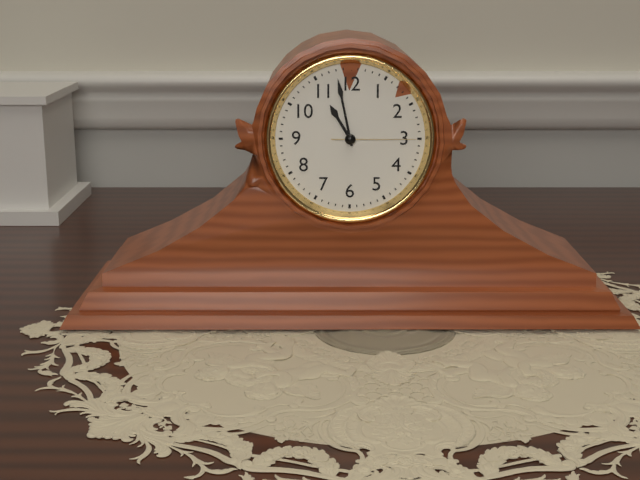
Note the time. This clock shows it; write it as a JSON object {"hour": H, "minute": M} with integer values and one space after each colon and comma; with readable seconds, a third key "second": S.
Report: {"hour": 10, "minute": 58, "second": 15}
